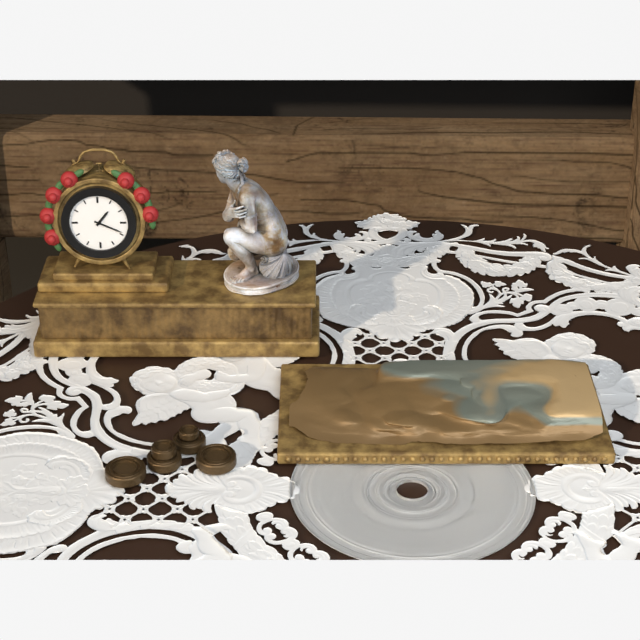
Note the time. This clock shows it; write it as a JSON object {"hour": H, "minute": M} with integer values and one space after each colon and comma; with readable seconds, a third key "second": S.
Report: {"hour": 1, "minute": 19}
